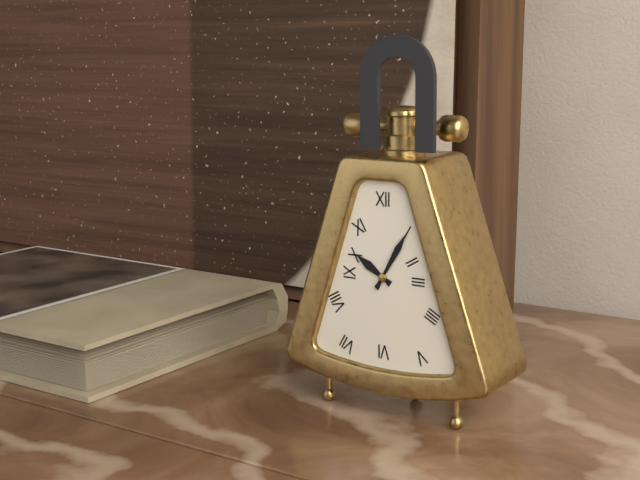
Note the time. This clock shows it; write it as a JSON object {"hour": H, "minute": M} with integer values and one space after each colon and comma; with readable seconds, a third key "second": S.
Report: {"hour": 10, "minute": 5}
